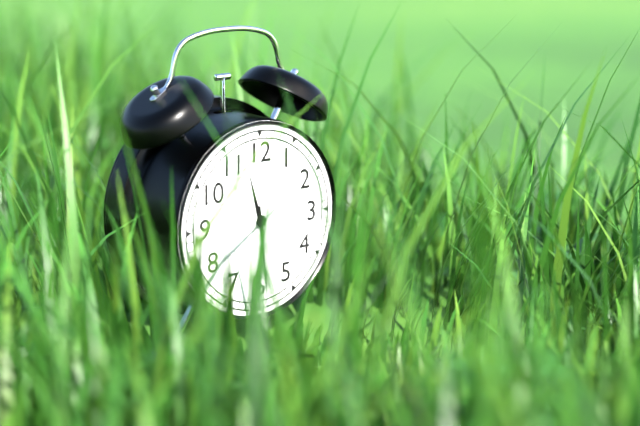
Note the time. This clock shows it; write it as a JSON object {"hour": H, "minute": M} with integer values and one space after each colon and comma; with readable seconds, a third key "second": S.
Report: {"hour": 11, "minute": 29}
